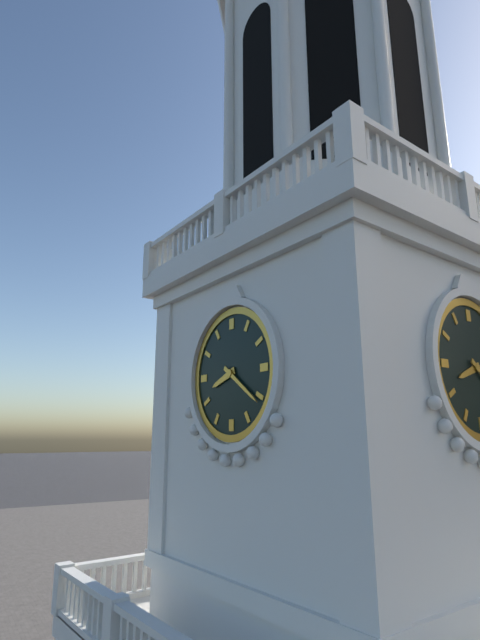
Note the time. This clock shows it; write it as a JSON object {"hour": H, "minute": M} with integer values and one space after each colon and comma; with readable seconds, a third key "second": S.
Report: {"hour": 8, "minute": 21}
